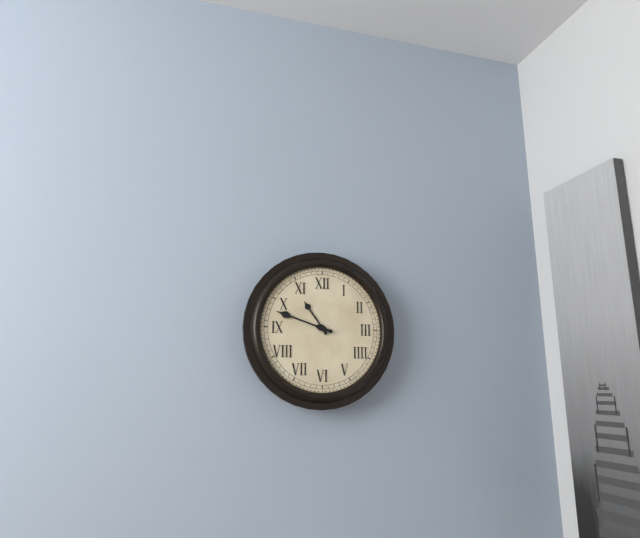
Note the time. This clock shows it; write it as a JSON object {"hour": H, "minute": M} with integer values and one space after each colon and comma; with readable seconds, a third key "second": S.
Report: {"hour": 10, "minute": 48}
